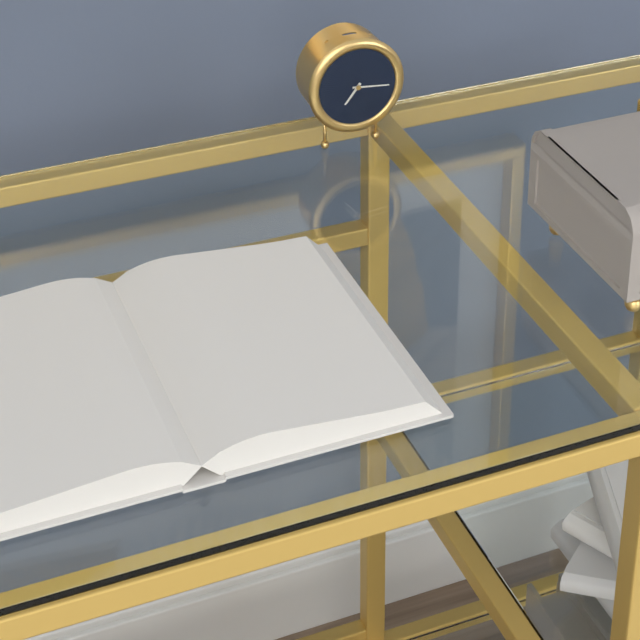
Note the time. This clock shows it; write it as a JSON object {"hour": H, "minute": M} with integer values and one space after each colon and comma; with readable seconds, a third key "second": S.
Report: {"hour": 7, "minute": 16}
